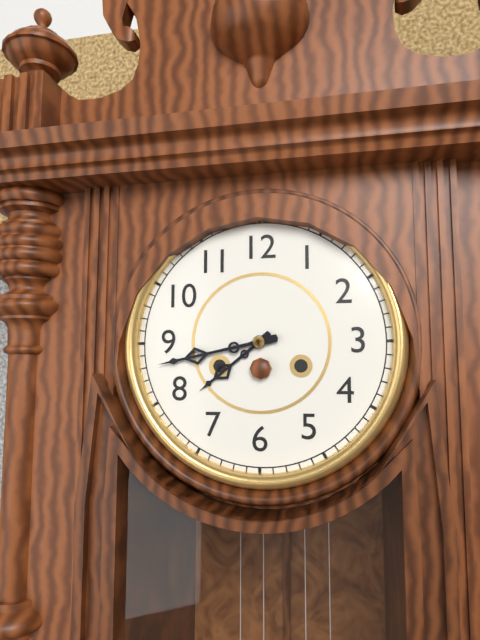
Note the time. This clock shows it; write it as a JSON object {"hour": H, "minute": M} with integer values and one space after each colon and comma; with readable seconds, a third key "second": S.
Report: {"hour": 7, "minute": 43}
